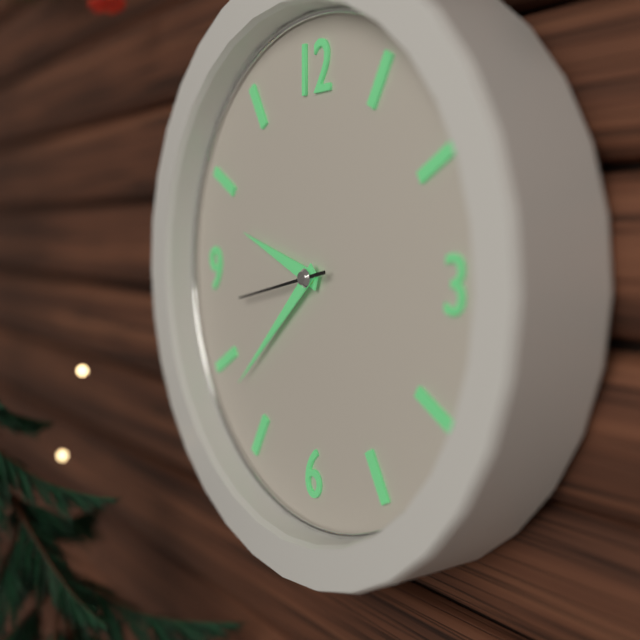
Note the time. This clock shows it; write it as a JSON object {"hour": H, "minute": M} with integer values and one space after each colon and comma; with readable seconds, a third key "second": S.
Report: {"hour": 9, "minute": 38, "second": 43}
